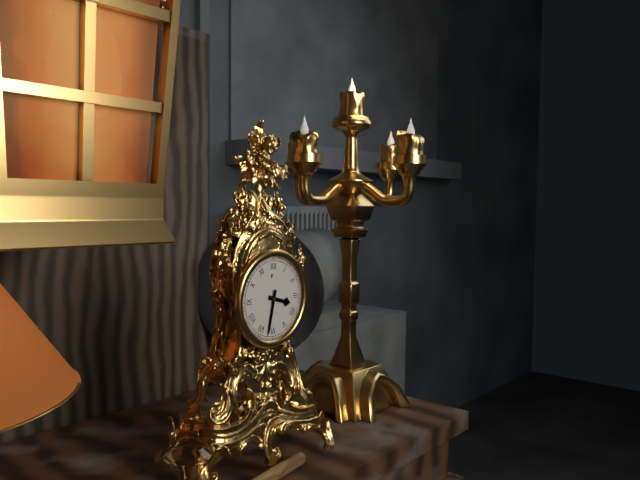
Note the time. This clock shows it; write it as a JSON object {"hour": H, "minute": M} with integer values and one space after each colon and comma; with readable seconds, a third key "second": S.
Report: {"hour": 3, "minute": 32}
